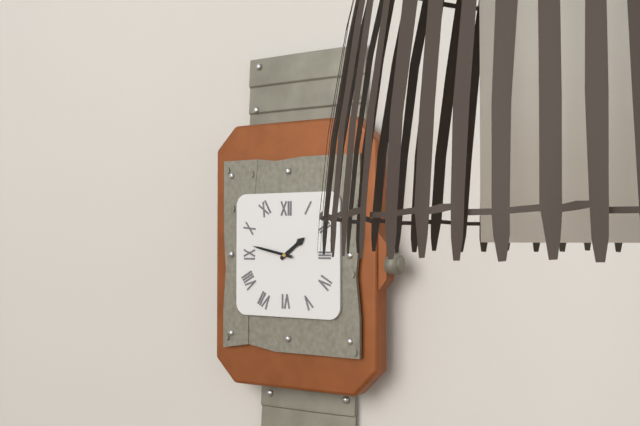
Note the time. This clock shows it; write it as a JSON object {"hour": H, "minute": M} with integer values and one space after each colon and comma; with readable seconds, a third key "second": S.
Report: {"hour": 1, "minute": 47}
